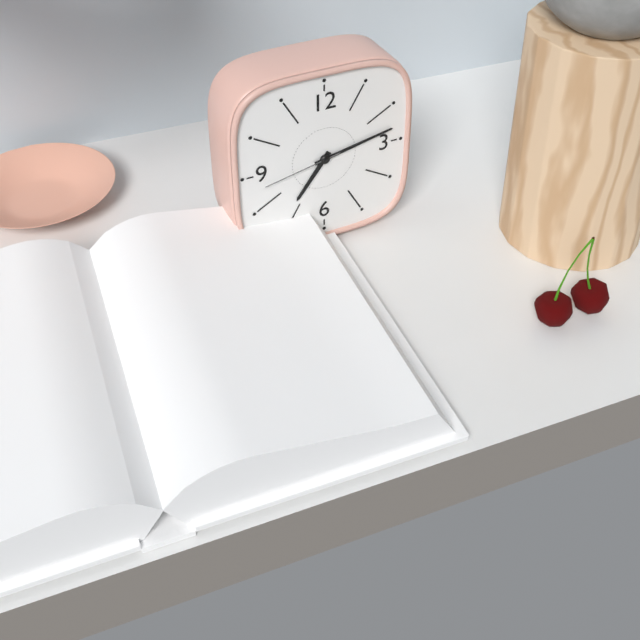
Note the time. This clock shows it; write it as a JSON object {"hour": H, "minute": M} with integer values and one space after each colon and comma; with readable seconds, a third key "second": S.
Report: {"hour": 7, "minute": 13, "second": 43}
